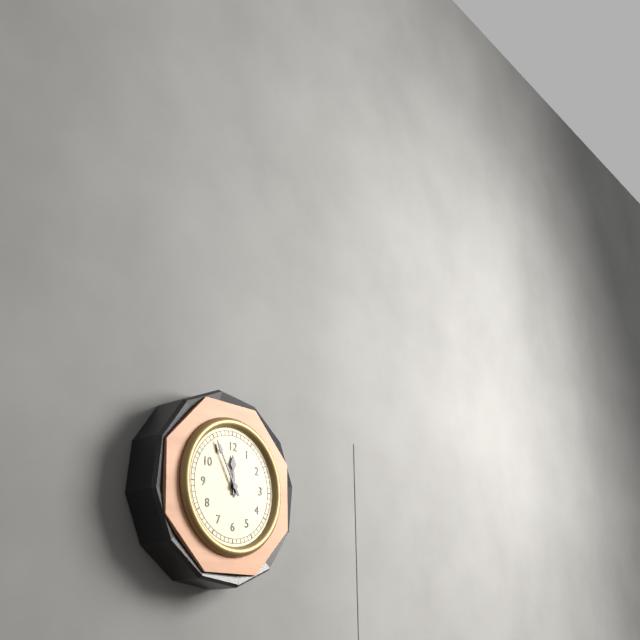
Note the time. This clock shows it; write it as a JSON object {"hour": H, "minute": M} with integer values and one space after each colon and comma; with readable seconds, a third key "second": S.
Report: {"hour": 11, "minute": 55}
